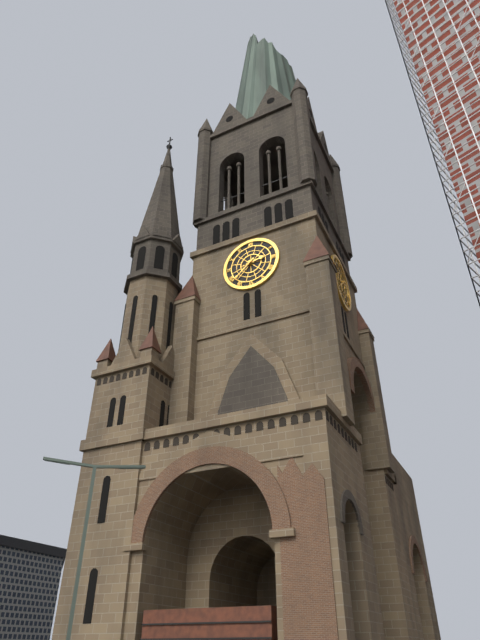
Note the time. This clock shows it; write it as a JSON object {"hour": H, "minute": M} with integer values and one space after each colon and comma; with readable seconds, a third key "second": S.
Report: {"hour": 2, "minute": 38}
